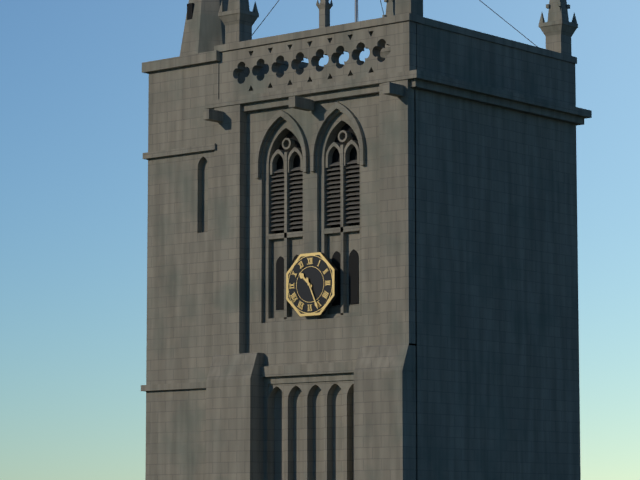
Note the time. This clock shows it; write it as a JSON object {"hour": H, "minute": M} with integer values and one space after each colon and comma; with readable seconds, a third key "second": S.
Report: {"hour": 10, "minute": 26}
